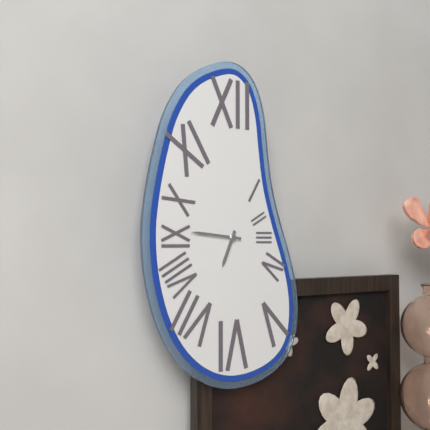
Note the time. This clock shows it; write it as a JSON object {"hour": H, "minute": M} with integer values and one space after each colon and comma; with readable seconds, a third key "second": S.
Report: {"hour": 6, "minute": 46}
